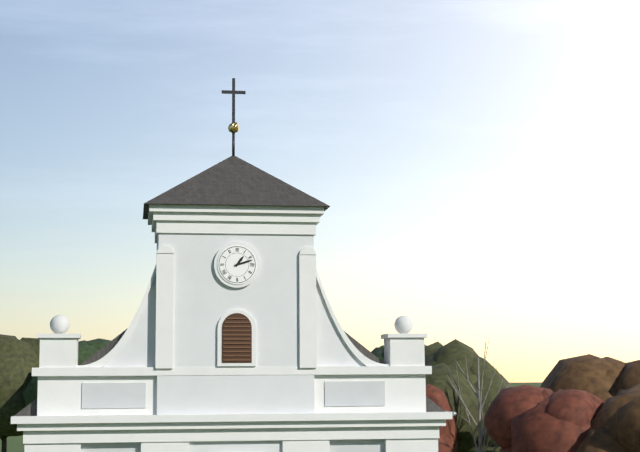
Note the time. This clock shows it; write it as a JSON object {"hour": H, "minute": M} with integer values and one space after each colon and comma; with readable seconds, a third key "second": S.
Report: {"hour": 1, "minute": 12}
